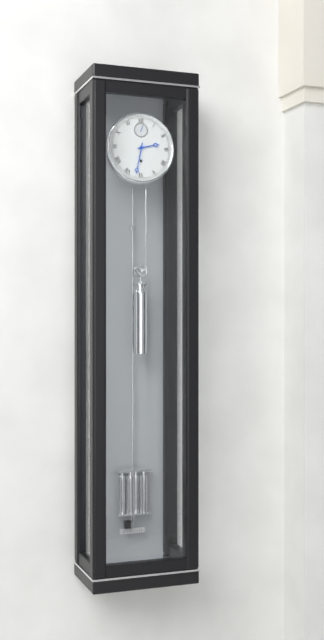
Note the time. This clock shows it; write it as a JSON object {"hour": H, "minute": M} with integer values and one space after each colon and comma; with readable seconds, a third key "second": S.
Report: {"hour": 2, "minute": 32}
